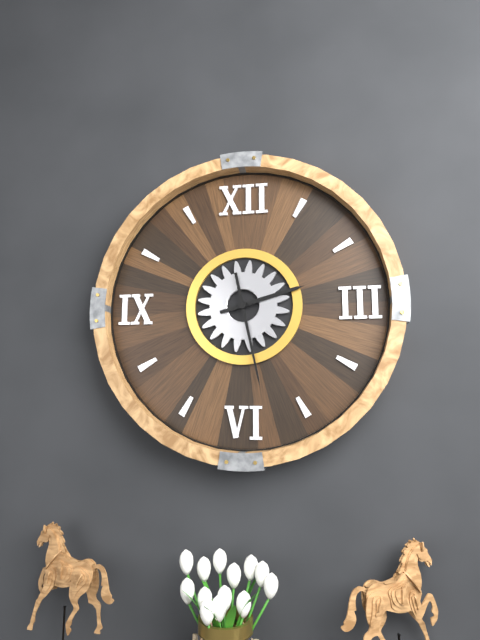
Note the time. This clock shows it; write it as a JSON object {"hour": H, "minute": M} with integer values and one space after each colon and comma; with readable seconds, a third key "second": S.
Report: {"hour": 2, "minute": 28}
